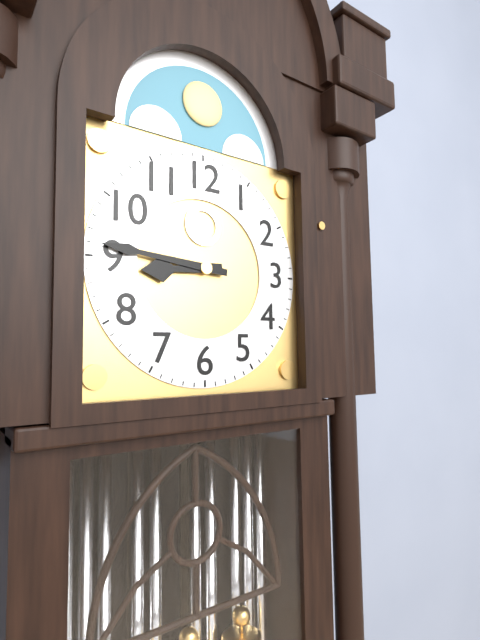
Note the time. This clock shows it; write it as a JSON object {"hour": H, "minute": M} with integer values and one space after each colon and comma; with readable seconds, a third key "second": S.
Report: {"hour": 8, "minute": 46}
